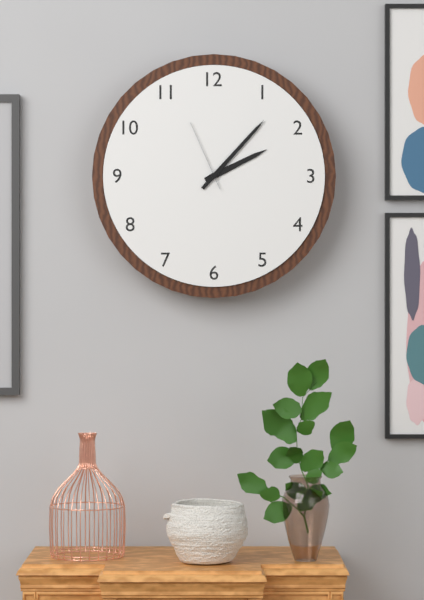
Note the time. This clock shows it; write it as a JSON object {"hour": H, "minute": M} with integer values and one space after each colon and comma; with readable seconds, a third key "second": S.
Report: {"hour": 2, "minute": 7, "second": 56}
